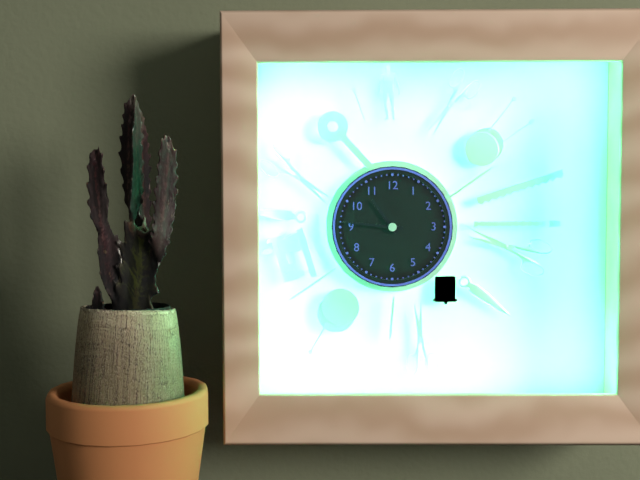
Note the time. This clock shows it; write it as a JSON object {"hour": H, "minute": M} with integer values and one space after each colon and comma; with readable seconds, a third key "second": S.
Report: {"hour": 10, "minute": 46}
